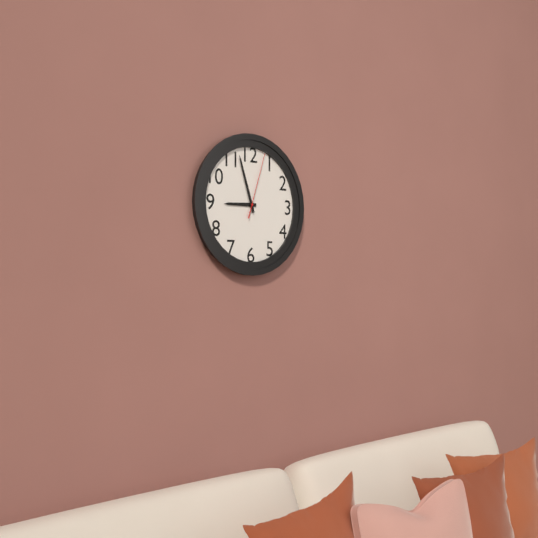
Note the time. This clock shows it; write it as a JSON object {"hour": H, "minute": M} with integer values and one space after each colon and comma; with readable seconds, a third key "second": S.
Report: {"hour": 8, "minute": 57, "second": 3}
